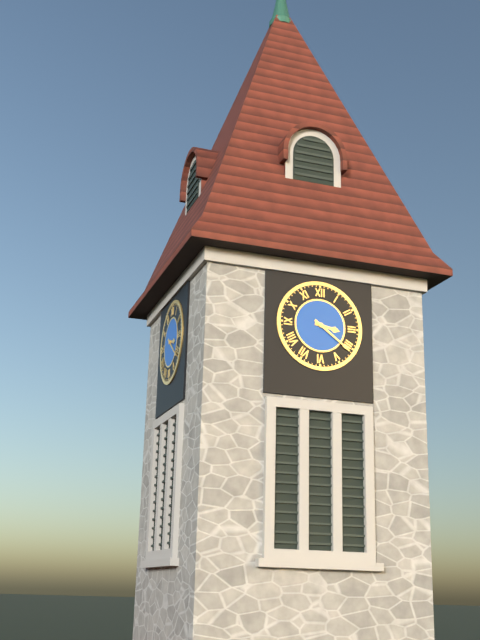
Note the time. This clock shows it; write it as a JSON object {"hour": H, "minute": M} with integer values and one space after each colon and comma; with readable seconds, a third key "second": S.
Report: {"hour": 3, "minute": 21}
